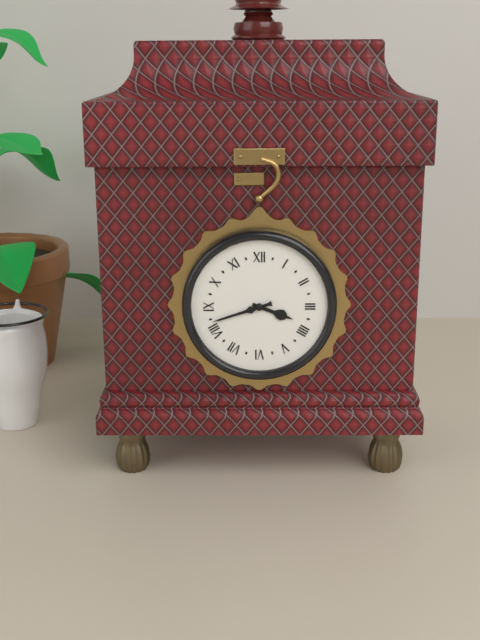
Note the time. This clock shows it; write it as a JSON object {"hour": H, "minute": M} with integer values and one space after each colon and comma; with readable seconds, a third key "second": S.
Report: {"hour": 3, "minute": 42}
